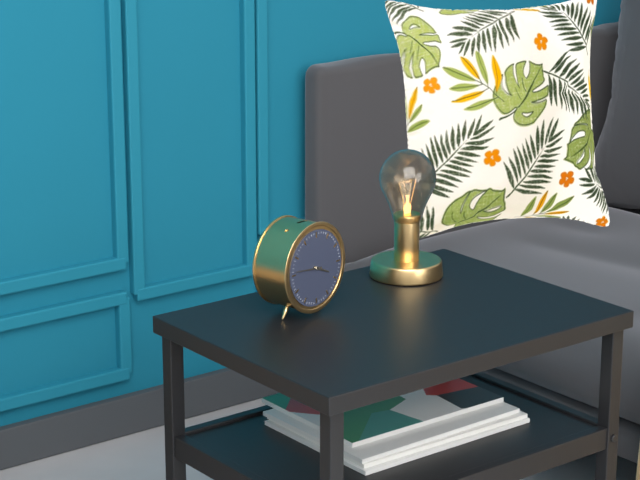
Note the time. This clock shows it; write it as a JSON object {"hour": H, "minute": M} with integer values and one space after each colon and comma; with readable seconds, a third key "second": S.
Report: {"hour": 3, "minute": 46}
